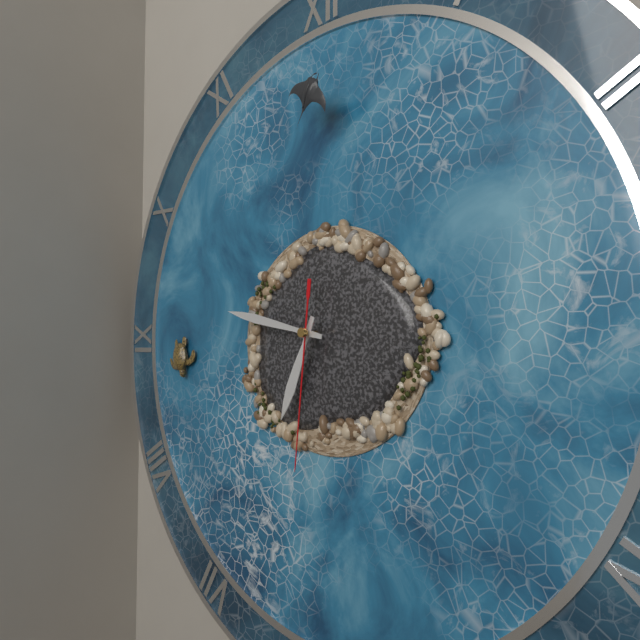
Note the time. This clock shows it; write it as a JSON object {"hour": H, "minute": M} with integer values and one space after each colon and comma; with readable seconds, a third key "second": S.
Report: {"hour": 6, "minute": 47, "second": 31}
